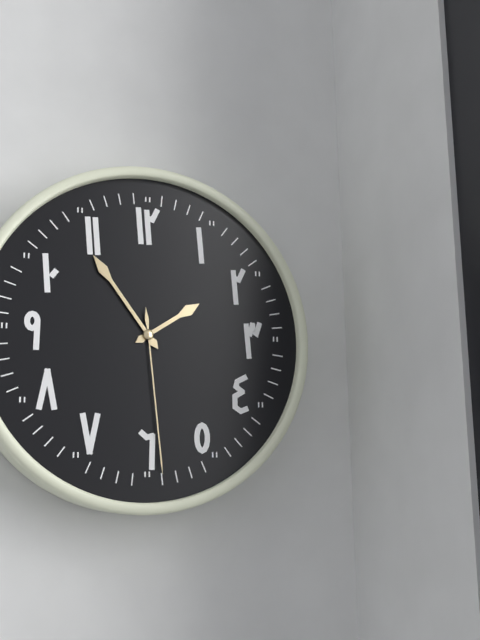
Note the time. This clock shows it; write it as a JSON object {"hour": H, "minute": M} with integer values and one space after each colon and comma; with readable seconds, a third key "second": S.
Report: {"hour": 1, "minute": 54, "second": 29}
